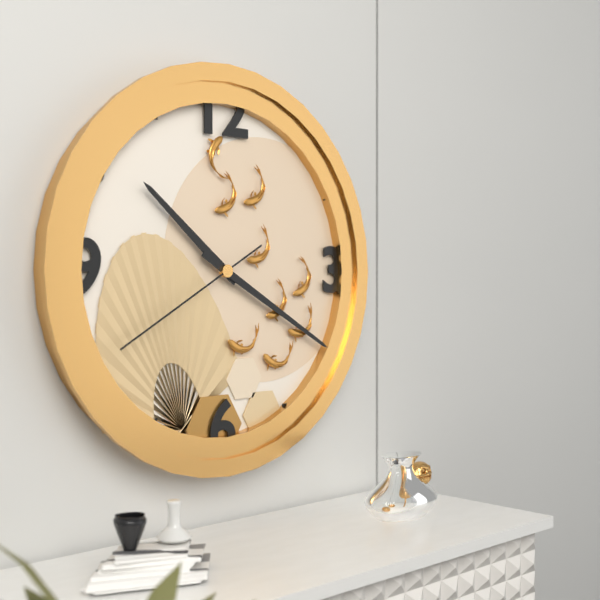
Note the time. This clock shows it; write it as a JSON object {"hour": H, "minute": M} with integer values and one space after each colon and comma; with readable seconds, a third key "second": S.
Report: {"hour": 10, "minute": 20, "second": 40}
